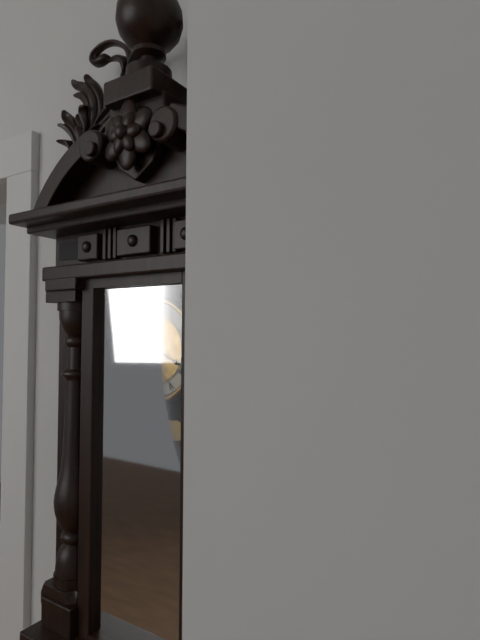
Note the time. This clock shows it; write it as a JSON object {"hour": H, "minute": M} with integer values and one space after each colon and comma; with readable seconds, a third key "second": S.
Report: {"hour": 10, "minute": 19}
